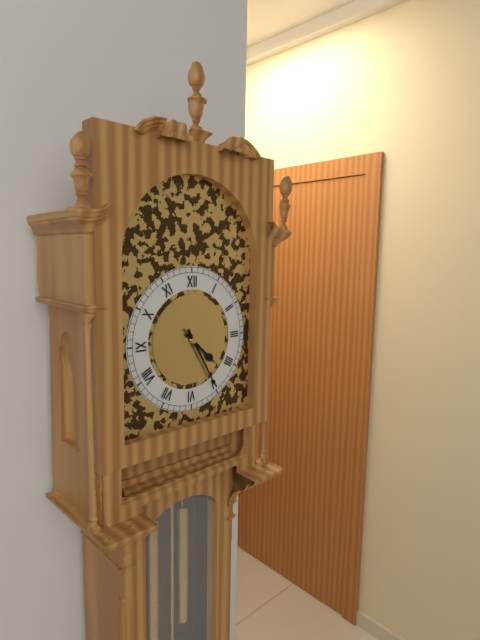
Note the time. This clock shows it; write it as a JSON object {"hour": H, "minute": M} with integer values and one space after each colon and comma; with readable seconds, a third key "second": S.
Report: {"hour": 4, "minute": 25}
